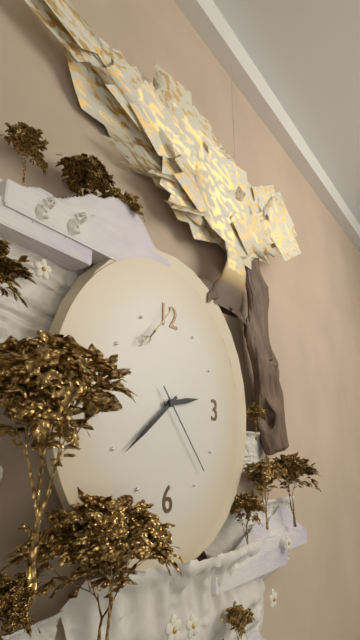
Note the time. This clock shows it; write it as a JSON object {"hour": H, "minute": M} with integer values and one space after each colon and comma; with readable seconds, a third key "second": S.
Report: {"hour": 2, "minute": 39, "second": 23}
